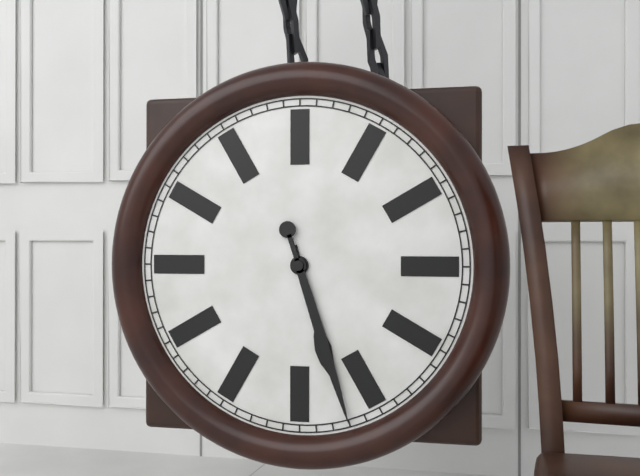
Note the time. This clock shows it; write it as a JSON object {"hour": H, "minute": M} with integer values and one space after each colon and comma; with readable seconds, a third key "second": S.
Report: {"hour": 5, "minute": 27}
